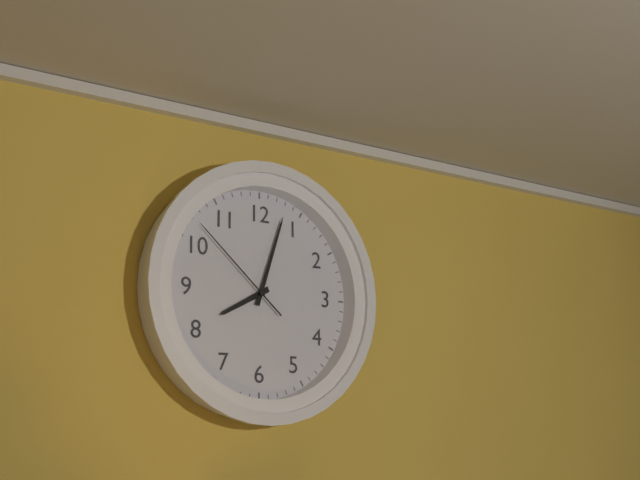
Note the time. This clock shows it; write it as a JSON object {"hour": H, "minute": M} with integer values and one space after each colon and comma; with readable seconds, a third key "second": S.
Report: {"hour": 8, "minute": 3, "second": 52}
